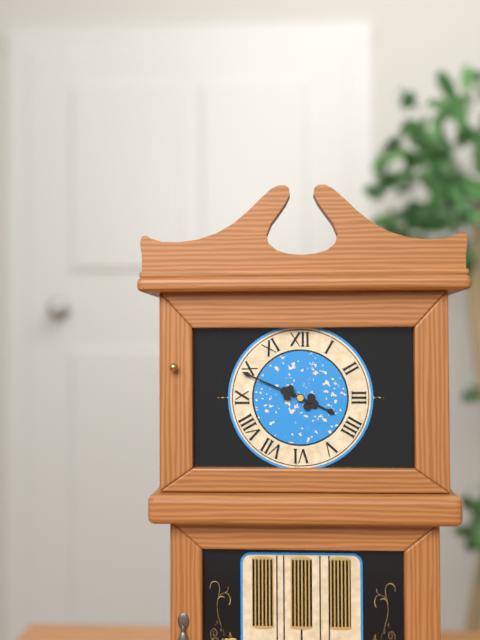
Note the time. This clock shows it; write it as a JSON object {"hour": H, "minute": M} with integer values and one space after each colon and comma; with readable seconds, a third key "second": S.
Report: {"hour": 3, "minute": 49}
